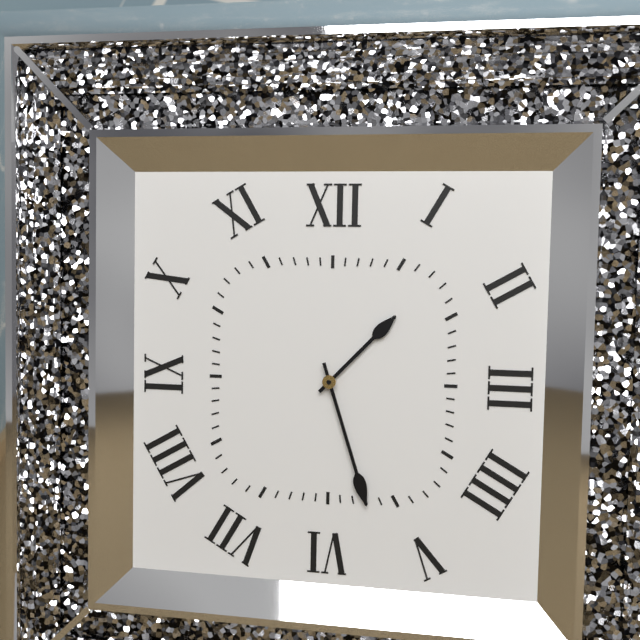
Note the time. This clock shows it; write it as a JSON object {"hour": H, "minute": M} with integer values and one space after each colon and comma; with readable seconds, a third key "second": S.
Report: {"hour": 1, "minute": 27}
